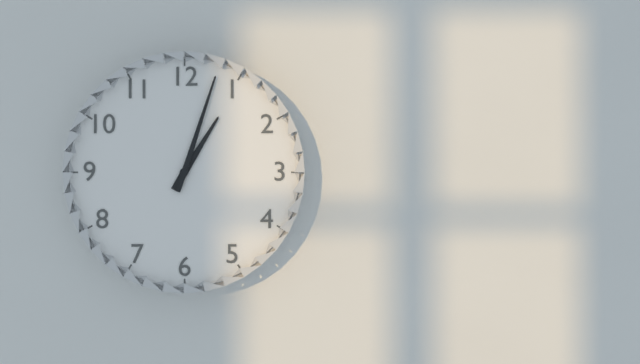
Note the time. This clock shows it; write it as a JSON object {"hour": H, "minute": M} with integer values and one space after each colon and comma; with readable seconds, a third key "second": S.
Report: {"hour": 1, "minute": 3}
